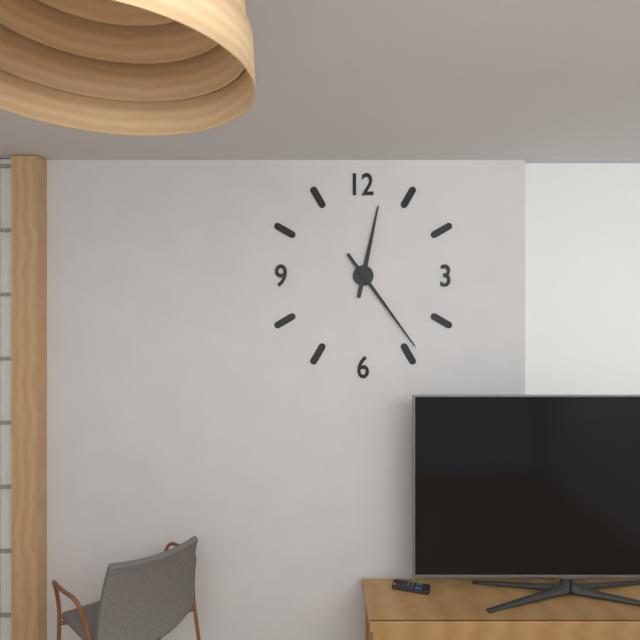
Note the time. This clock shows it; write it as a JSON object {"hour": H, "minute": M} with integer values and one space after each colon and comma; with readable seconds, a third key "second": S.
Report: {"hour": 12, "minute": 24}
